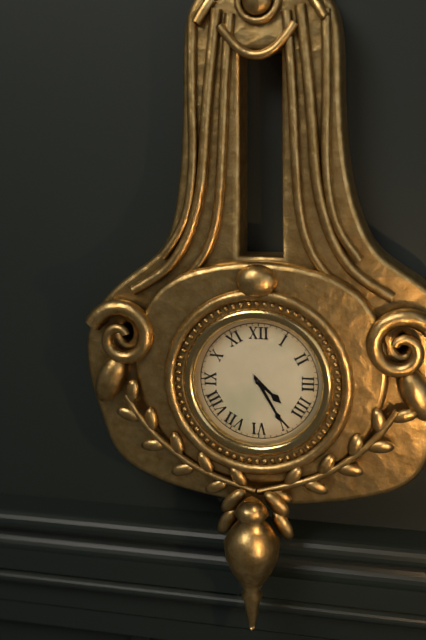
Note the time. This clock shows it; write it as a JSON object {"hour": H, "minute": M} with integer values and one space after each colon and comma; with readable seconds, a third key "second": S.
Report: {"hour": 4, "minute": 25}
